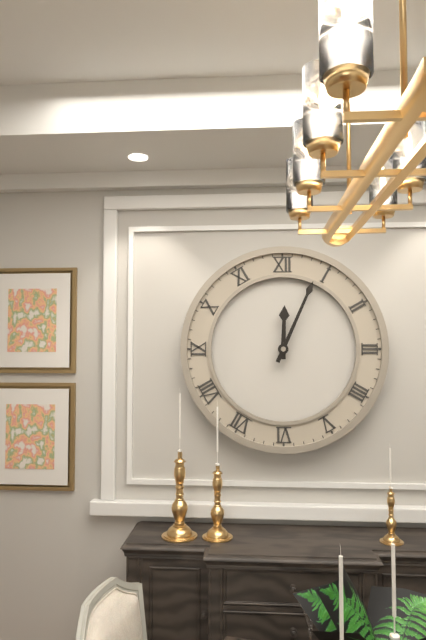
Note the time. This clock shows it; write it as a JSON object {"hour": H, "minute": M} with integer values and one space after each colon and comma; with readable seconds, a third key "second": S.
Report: {"hour": 12, "minute": 4}
